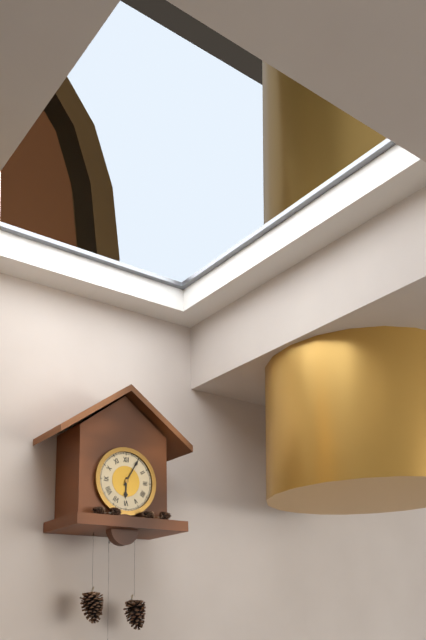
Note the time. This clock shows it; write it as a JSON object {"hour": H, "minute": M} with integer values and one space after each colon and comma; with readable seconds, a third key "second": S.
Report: {"hour": 6, "minute": 5}
